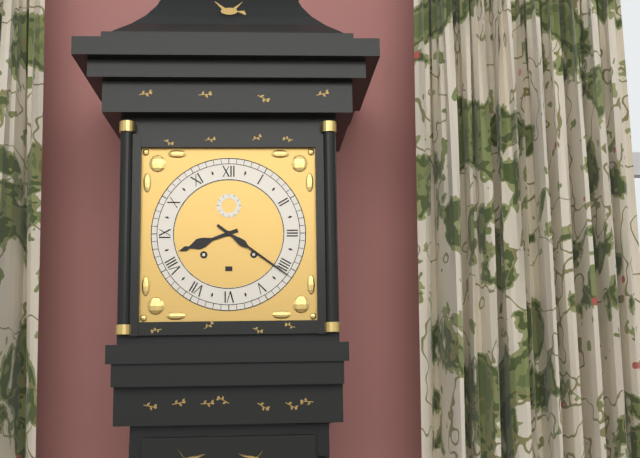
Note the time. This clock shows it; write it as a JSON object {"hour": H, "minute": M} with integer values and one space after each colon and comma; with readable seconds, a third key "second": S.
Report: {"hour": 8, "minute": 21}
